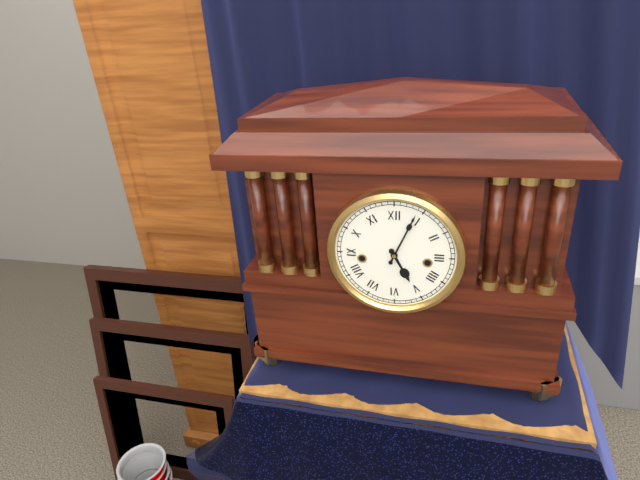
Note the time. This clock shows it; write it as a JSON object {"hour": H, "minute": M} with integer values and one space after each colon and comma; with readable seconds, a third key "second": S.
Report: {"hour": 5, "minute": 4}
